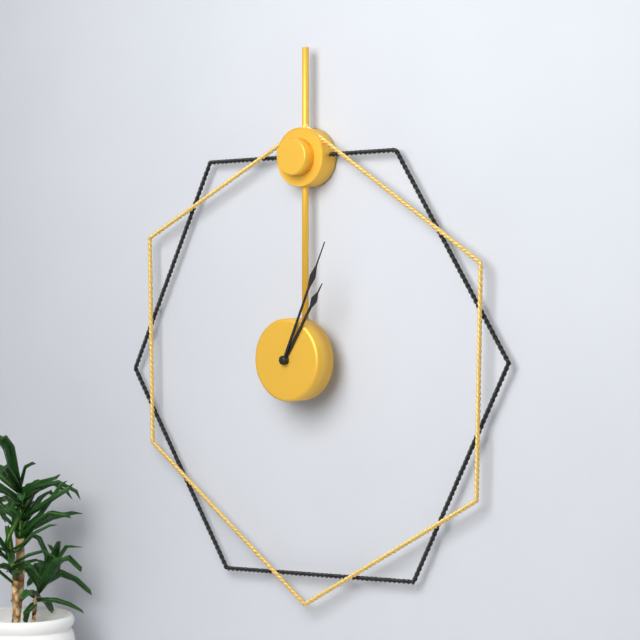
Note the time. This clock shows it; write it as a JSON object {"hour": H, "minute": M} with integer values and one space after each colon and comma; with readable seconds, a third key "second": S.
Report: {"hour": 1, "minute": 4}
